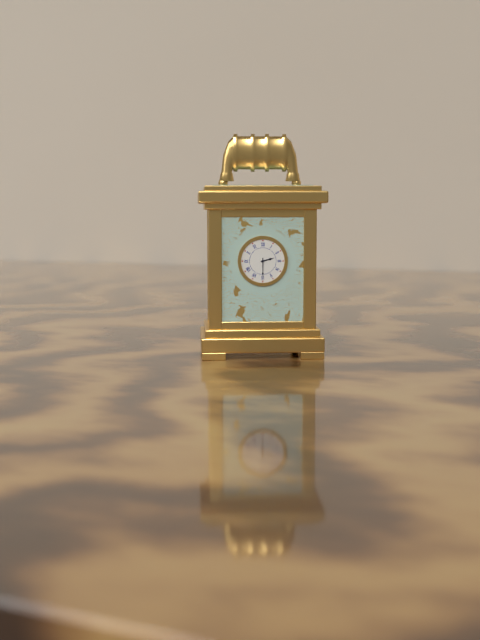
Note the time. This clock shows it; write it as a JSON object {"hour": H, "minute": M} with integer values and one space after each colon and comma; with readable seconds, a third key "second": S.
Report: {"hour": 2, "minute": 30}
